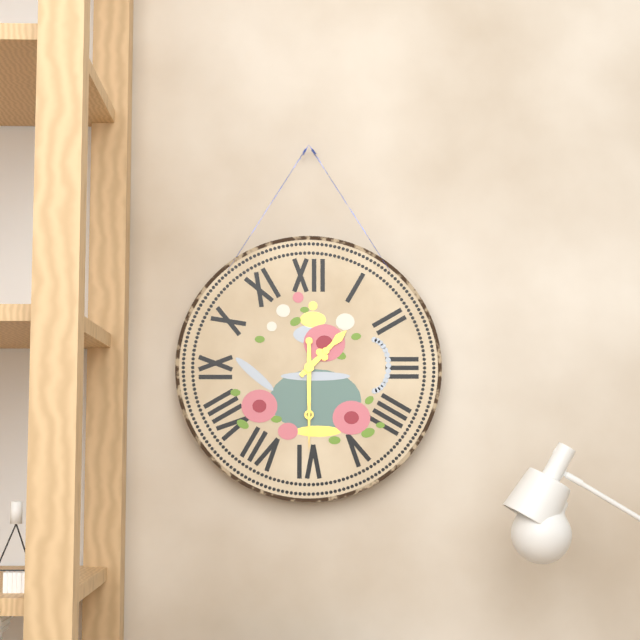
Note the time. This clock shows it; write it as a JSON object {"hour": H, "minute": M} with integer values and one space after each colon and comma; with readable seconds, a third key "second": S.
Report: {"hour": 1, "minute": 30}
